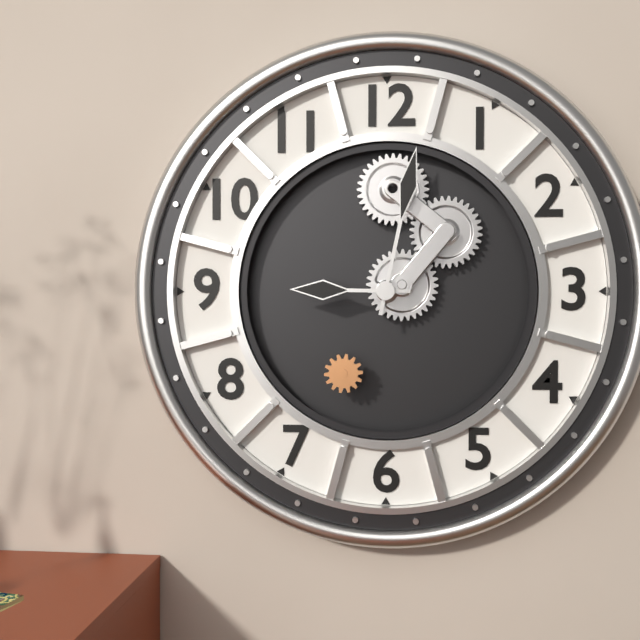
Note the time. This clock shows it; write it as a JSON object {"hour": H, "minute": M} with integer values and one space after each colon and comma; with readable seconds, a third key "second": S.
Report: {"hour": 9, "minute": 2}
